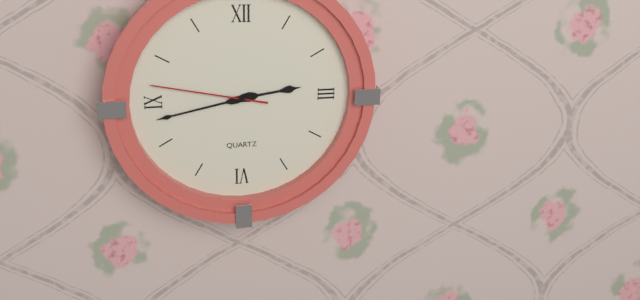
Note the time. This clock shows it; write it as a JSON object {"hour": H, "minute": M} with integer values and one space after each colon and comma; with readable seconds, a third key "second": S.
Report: {"hour": 2, "minute": 43, "second": 47}
